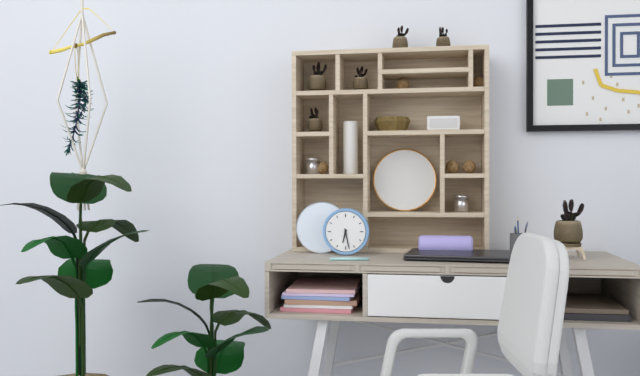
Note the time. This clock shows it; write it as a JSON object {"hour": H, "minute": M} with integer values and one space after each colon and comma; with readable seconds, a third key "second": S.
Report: {"hour": 6, "minute": 28}
